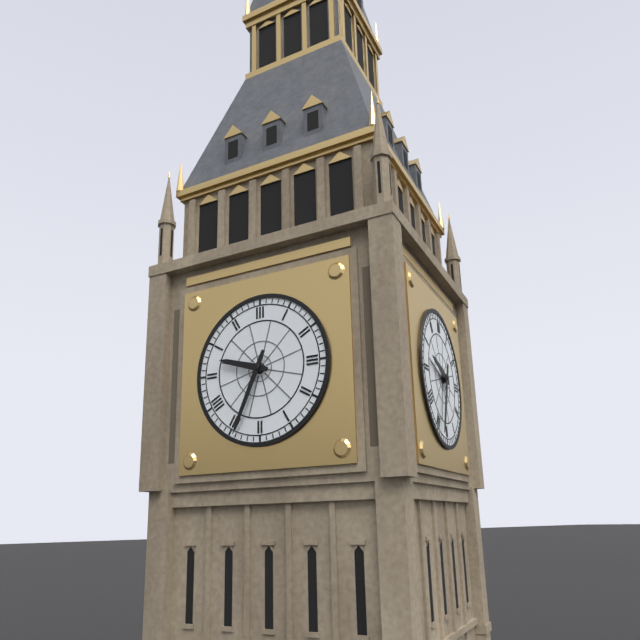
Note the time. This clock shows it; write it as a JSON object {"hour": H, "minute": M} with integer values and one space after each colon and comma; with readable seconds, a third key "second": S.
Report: {"hour": 9, "minute": 34}
